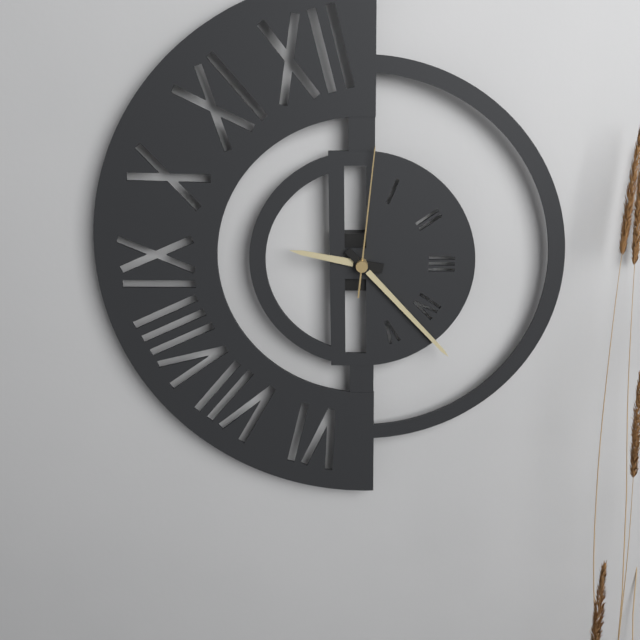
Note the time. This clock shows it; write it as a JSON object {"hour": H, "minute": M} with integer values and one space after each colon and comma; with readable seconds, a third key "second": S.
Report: {"hour": 9, "minute": 23, "second": 1}
